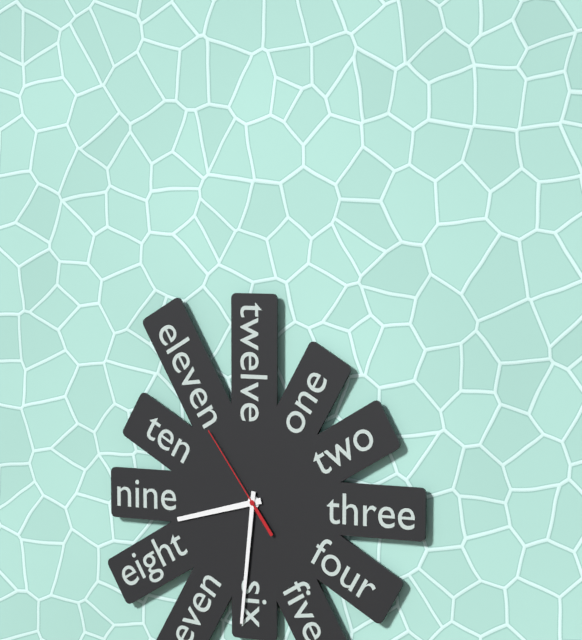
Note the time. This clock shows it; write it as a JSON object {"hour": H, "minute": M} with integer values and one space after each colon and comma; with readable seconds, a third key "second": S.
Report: {"hour": 8, "minute": 31, "second": 54}
